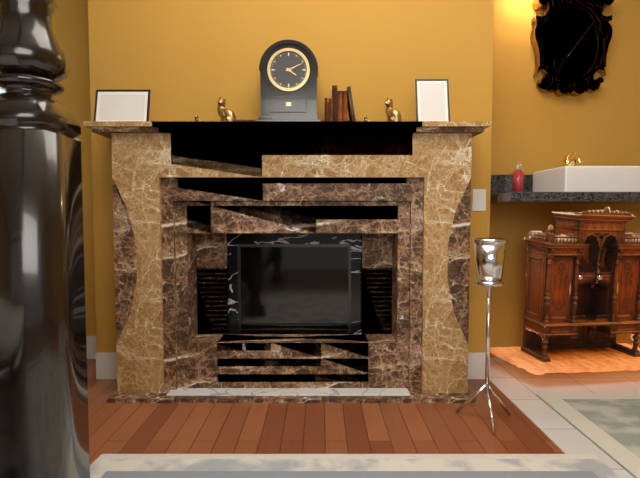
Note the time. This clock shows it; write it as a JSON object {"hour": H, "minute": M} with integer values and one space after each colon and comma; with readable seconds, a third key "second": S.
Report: {"hour": 4, "minute": 11}
